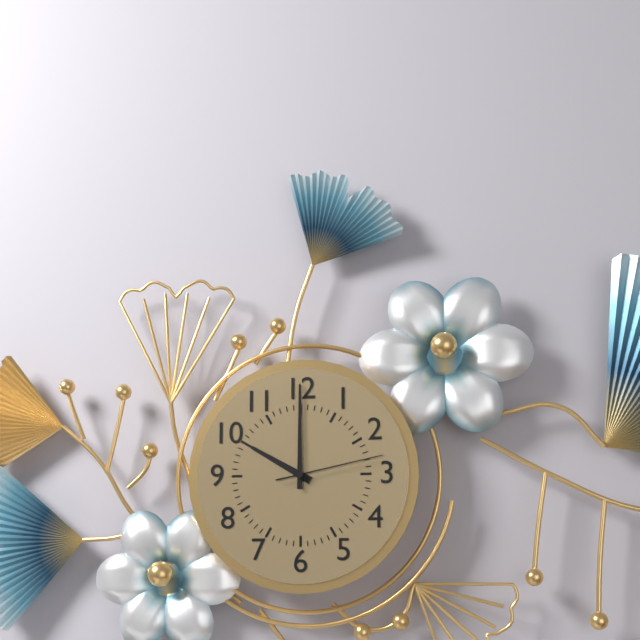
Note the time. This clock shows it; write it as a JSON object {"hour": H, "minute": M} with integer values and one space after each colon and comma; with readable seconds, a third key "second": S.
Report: {"hour": 10, "minute": 0, "second": 13}
